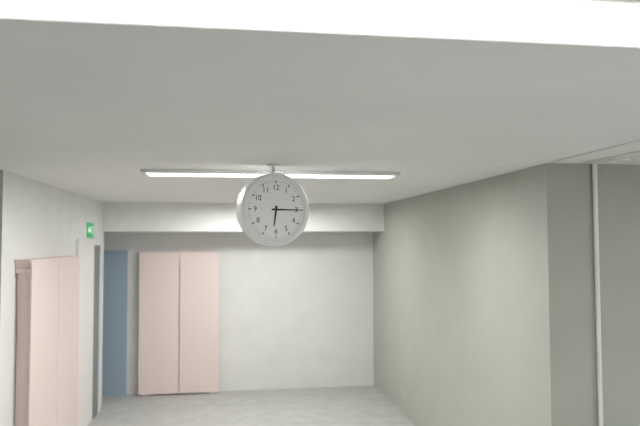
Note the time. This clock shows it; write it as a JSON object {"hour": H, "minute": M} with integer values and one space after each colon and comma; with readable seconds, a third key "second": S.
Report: {"hour": 6, "minute": 15}
